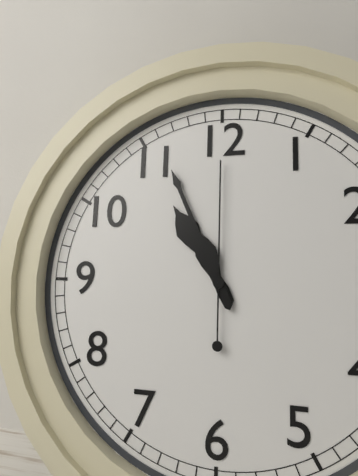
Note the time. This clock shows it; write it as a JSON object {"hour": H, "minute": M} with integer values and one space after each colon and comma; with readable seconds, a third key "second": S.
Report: {"hour": 10, "minute": 56, "second": 0}
